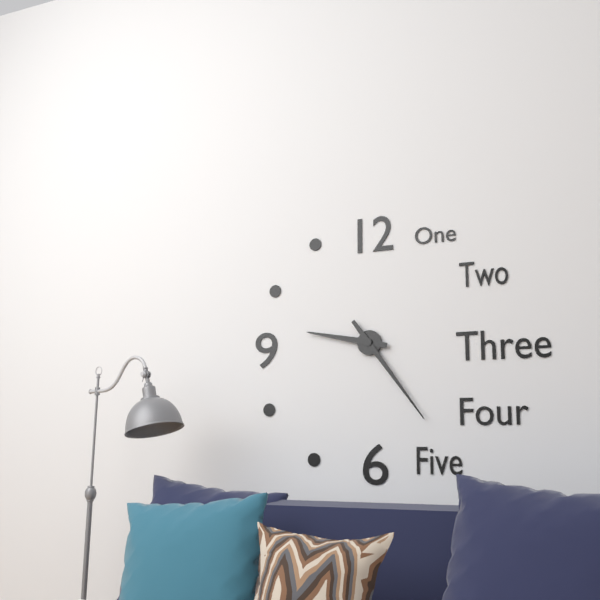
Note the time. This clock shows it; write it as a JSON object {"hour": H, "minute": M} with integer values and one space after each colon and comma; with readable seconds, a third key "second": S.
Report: {"hour": 9, "minute": 24}
